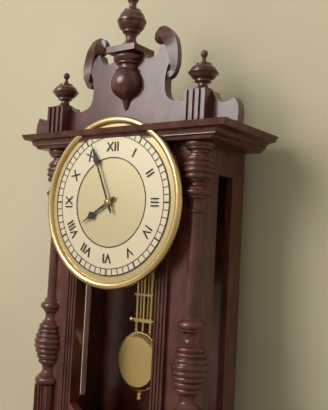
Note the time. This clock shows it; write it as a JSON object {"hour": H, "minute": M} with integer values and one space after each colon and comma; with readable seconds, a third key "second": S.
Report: {"hour": 7, "minute": 56}
